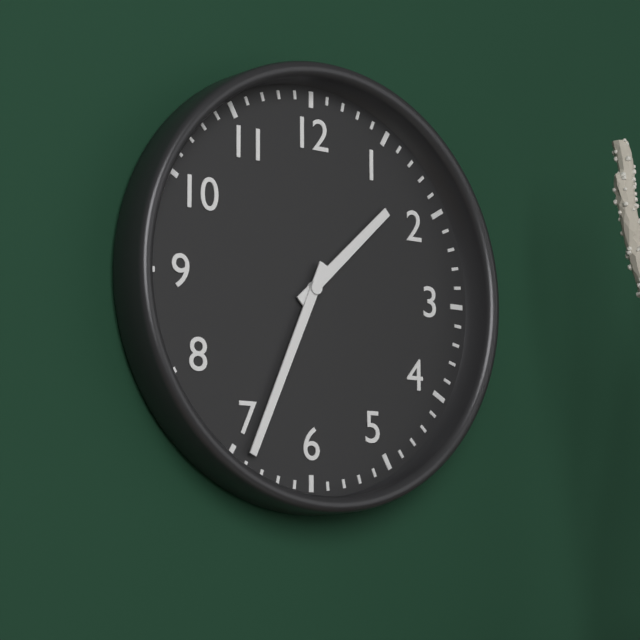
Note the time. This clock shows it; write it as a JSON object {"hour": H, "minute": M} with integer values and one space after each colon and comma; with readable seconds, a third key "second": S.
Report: {"hour": 1, "minute": 34}
